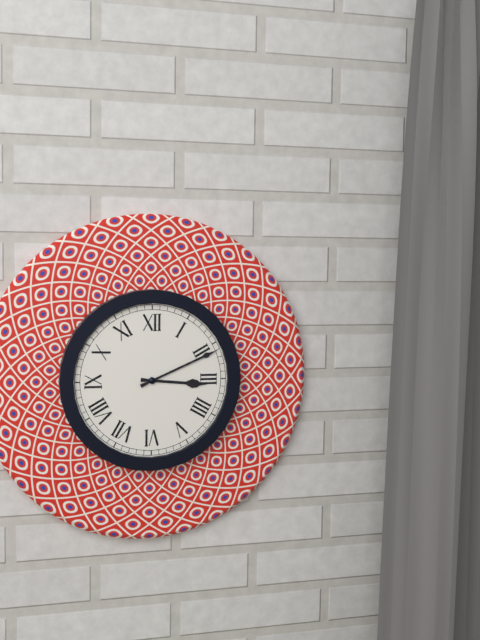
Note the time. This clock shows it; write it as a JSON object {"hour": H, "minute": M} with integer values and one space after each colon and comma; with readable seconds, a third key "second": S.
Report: {"hour": 3, "minute": 11}
